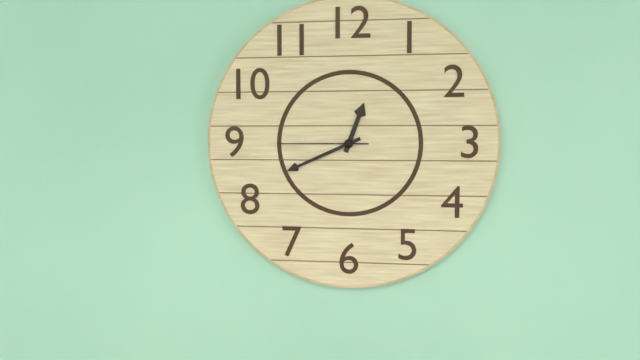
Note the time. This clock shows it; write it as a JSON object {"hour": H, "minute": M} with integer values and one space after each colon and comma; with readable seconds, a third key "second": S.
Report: {"hour": 12, "minute": 41, "second": 45}
